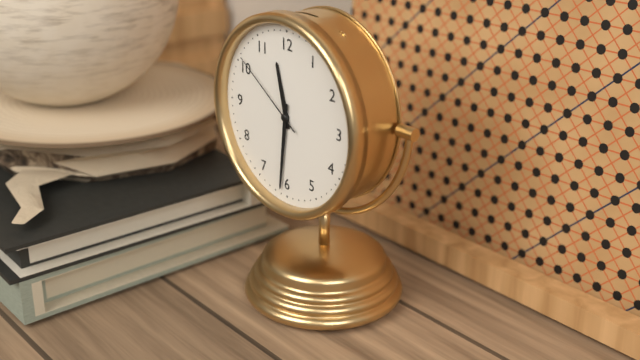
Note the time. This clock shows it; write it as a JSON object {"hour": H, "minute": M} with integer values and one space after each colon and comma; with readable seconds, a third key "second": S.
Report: {"hour": 11, "minute": 31, "second": 51}
